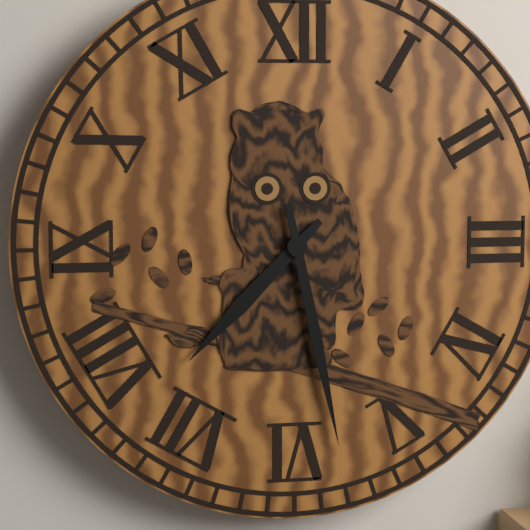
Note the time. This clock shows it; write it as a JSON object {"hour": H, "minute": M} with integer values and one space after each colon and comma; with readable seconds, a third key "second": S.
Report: {"hour": 7, "minute": 28}
